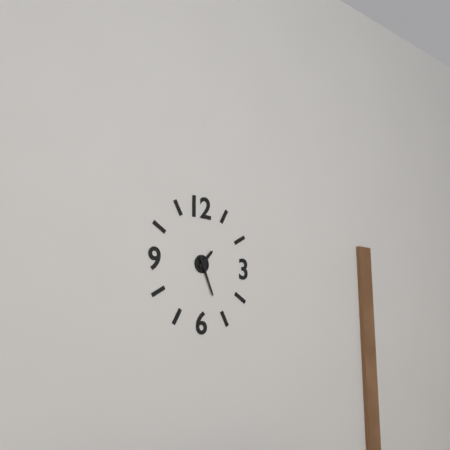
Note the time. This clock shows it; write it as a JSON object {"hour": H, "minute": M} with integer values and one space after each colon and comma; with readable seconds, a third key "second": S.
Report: {"hour": 1, "minute": 26}
